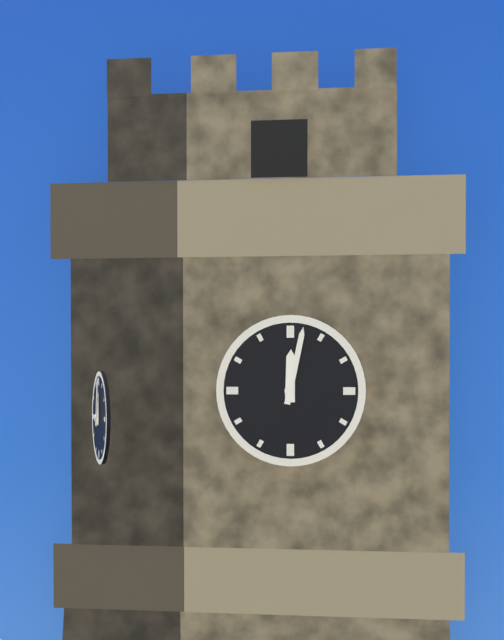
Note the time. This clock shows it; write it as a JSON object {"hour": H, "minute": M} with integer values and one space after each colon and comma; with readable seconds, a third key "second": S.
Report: {"hour": 12, "minute": 2}
